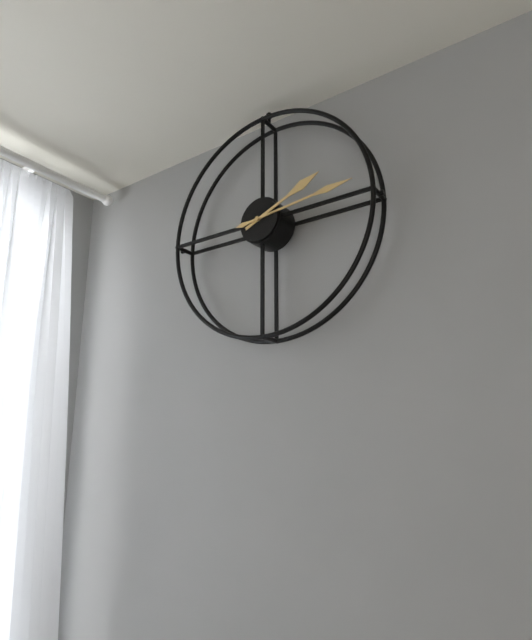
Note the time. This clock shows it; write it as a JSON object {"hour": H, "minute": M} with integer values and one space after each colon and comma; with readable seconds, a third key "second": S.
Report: {"hour": 2, "minute": 14}
